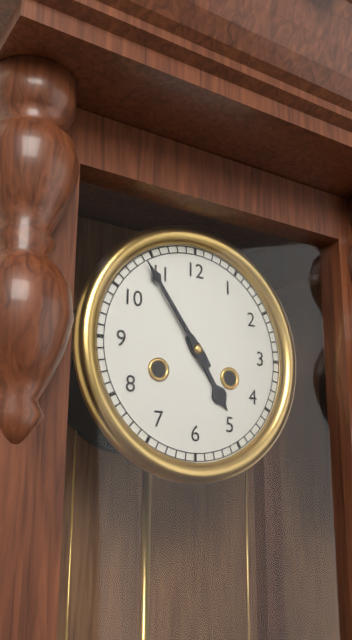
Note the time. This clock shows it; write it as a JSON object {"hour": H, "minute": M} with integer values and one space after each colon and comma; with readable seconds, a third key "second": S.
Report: {"hour": 4, "minute": 54}
